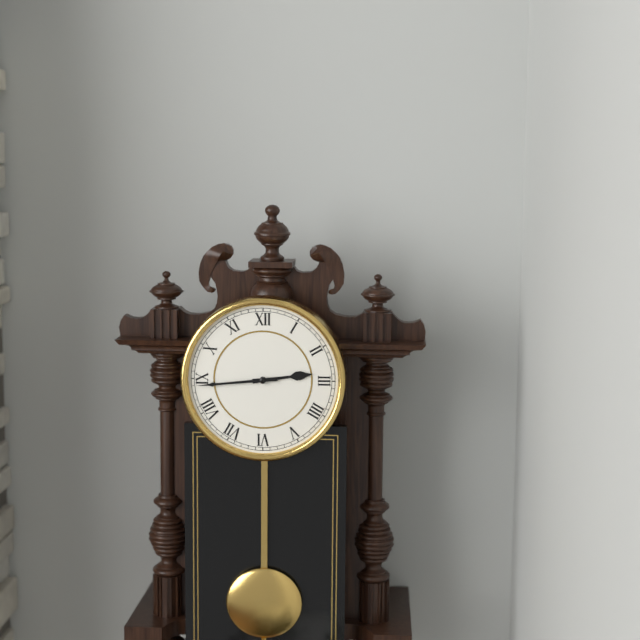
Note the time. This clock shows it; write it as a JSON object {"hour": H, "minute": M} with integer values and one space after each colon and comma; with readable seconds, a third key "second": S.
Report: {"hour": 2, "minute": 44}
